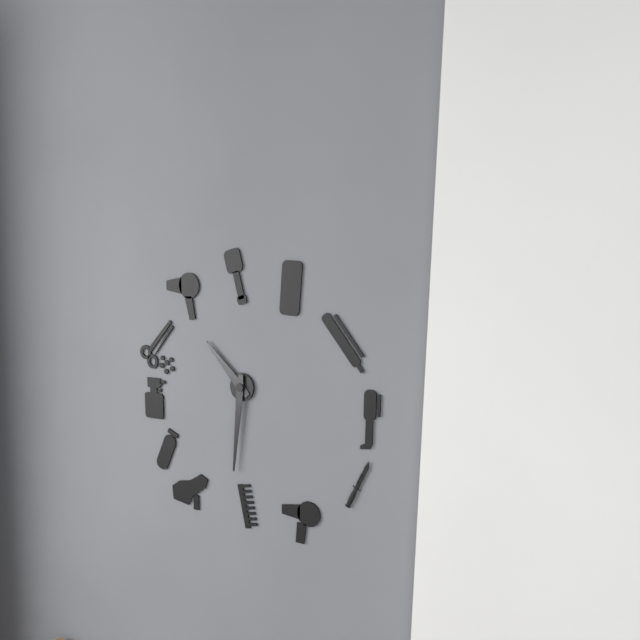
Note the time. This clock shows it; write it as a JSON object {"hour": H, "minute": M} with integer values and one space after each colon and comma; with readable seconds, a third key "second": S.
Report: {"hour": 10, "minute": 31}
